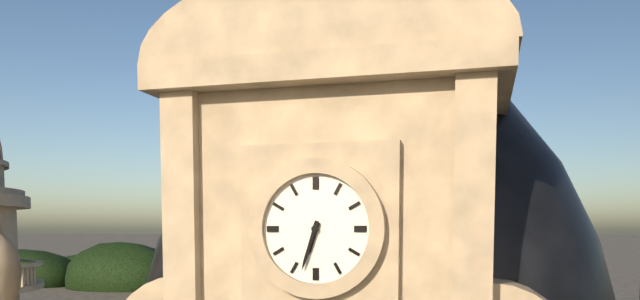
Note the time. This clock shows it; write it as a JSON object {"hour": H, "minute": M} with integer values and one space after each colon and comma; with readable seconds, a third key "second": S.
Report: {"hour": 6, "minute": 33}
